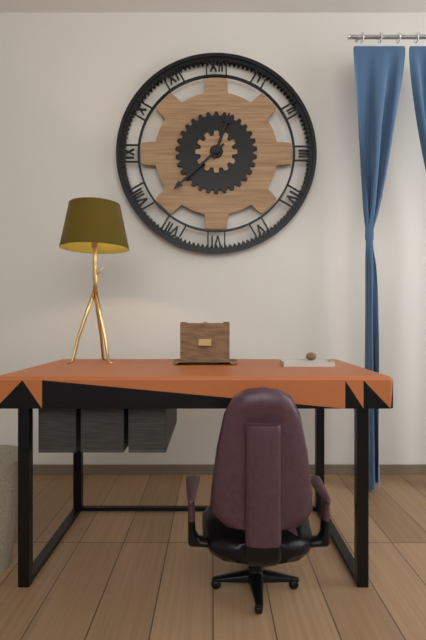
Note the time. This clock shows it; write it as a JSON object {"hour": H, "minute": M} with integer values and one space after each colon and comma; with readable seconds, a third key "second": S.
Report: {"hour": 12, "minute": 38}
